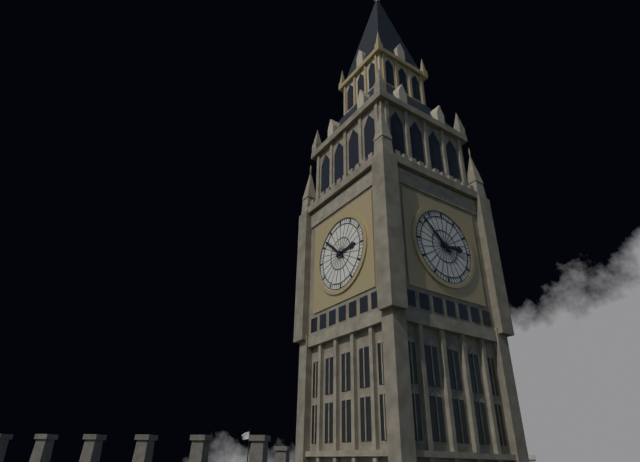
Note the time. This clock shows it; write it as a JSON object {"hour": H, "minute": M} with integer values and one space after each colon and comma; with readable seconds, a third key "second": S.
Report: {"hour": 2, "minute": 52}
